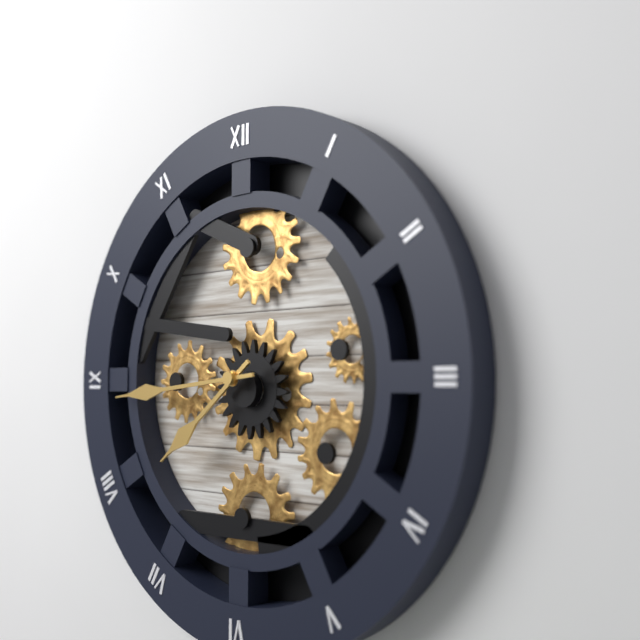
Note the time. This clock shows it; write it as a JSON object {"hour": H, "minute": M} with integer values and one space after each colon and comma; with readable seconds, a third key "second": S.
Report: {"hour": 7, "minute": 44}
